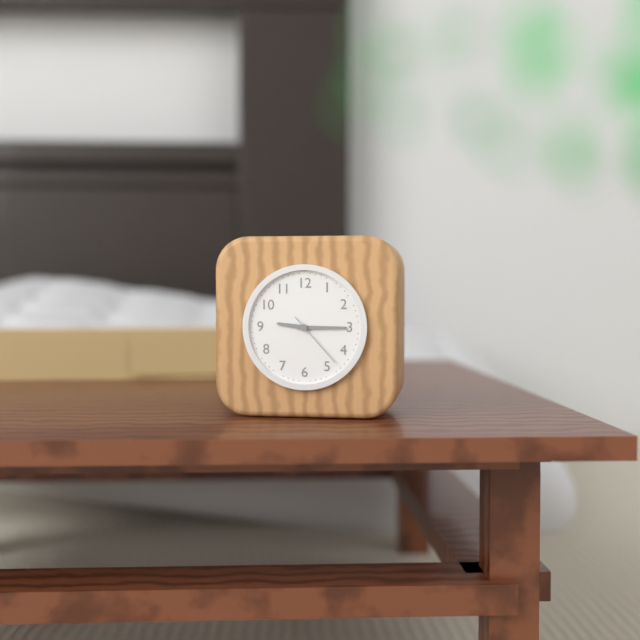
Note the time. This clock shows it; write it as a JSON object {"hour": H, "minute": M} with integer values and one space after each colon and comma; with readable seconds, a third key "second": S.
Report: {"hour": 9, "minute": 15, "second": 23}
